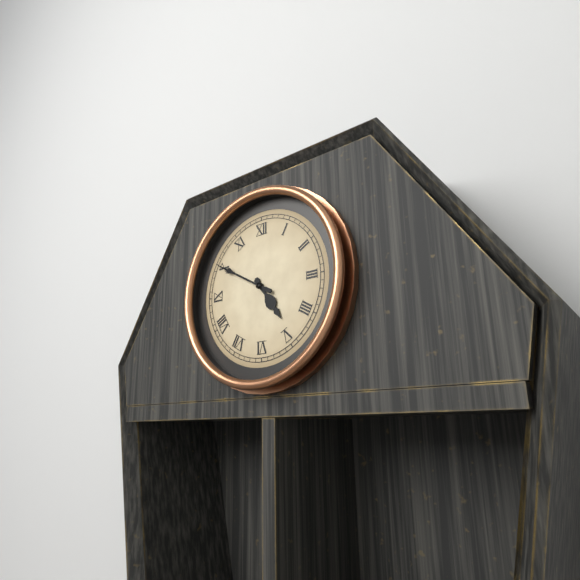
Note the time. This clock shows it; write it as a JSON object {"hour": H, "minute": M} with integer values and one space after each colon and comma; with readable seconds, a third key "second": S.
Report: {"hour": 4, "minute": 50}
